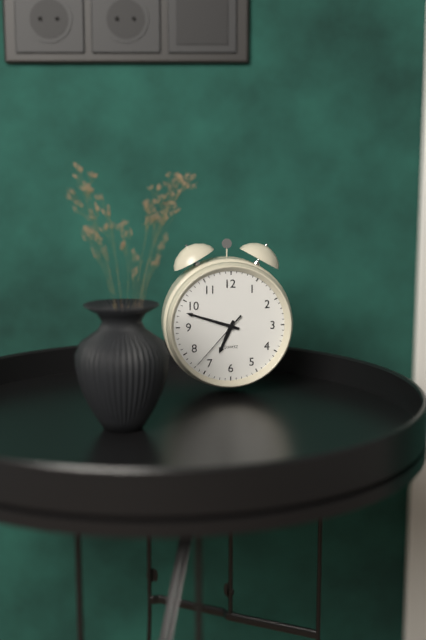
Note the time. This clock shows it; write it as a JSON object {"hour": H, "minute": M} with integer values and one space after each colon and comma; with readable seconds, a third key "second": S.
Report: {"hour": 6, "minute": 48, "second": 37}
